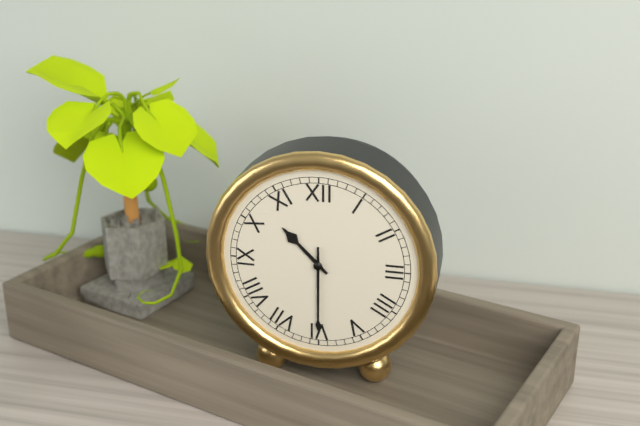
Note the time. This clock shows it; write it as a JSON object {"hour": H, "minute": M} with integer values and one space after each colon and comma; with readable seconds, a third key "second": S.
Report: {"hour": 10, "minute": 30}
